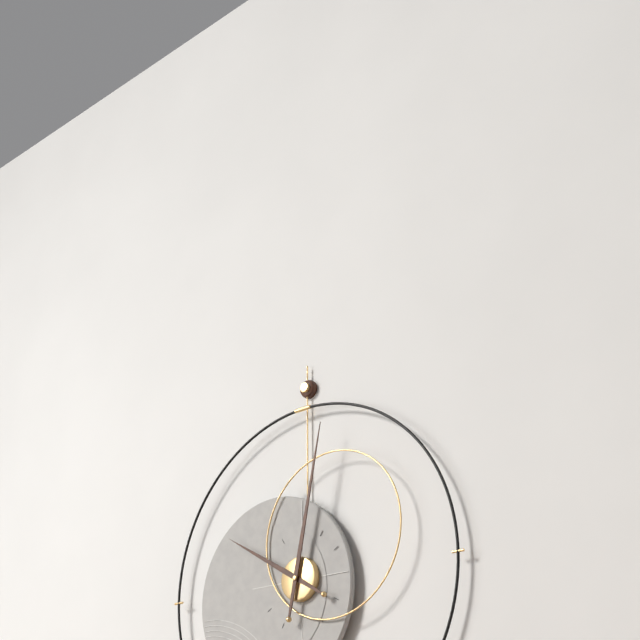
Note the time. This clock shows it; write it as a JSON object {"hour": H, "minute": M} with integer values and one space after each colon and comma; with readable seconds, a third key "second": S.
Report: {"hour": 10, "minute": 2}
